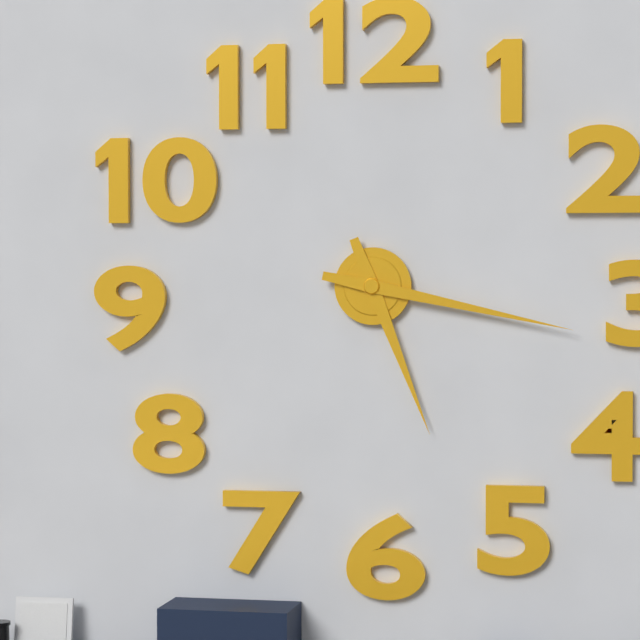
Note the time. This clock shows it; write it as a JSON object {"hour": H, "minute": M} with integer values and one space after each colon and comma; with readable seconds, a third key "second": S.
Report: {"hour": 5, "minute": 17}
